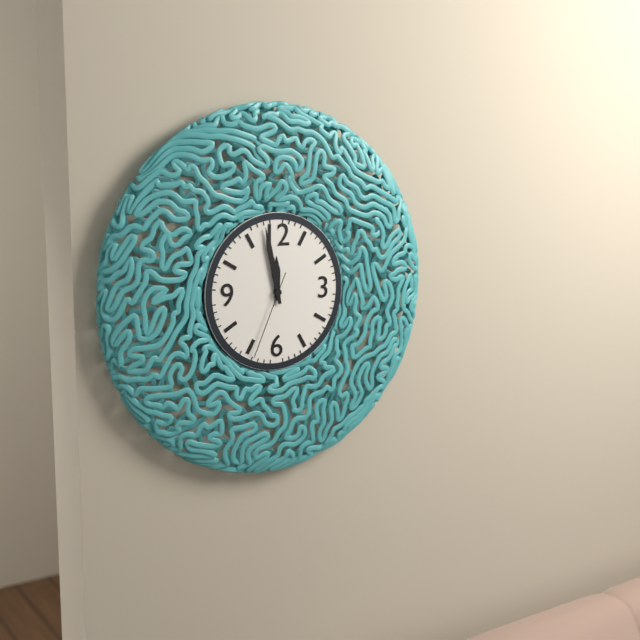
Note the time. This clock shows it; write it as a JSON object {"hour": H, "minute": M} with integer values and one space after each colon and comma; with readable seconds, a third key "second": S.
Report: {"hour": 11, "minute": 58, "second": 34}
